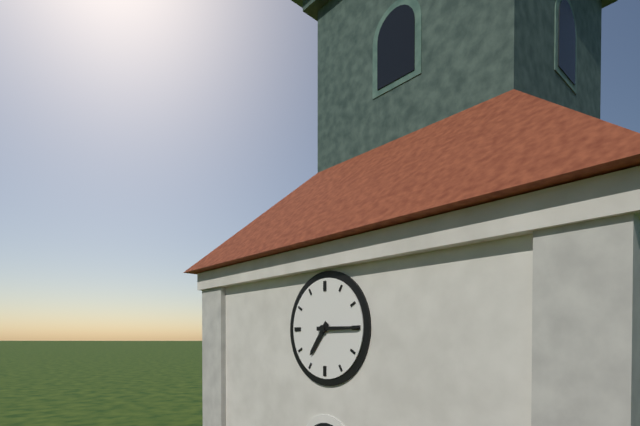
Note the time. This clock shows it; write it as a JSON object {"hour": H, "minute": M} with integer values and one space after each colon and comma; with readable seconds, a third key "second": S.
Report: {"hour": 7, "minute": 15}
